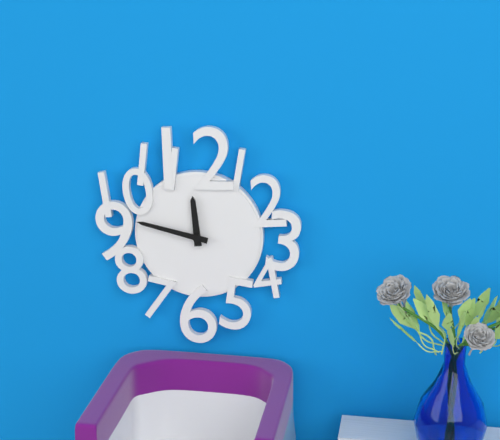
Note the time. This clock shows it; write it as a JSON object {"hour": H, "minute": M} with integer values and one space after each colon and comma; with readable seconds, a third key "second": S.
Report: {"hour": 11, "minute": 47}
